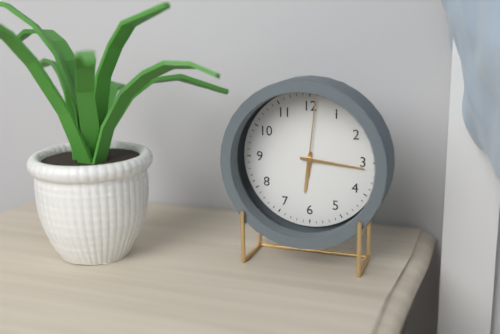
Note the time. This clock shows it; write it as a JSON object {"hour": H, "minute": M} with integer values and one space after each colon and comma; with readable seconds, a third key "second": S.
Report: {"hour": 6, "minute": 16, "second": 1}
